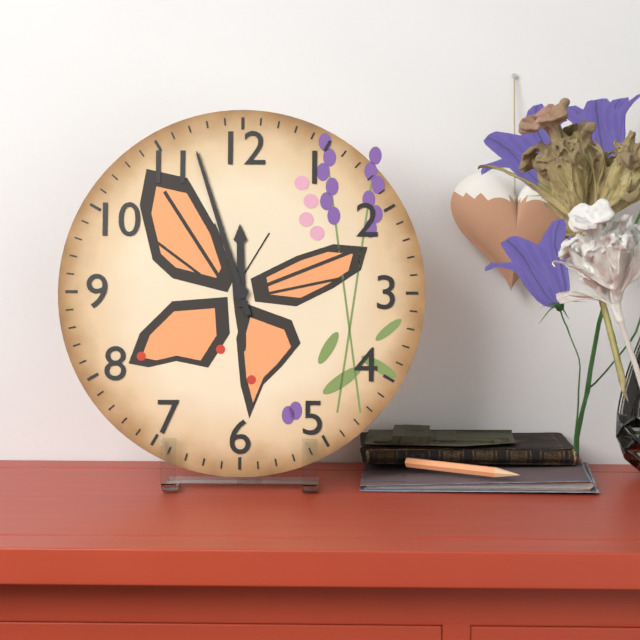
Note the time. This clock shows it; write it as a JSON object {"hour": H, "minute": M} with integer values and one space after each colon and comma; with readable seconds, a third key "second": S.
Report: {"hour": 11, "minute": 57}
